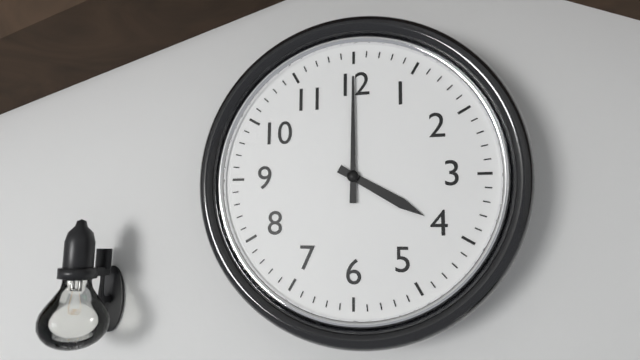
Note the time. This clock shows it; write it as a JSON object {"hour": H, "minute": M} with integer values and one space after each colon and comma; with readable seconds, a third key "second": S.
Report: {"hour": 4, "minute": 0}
